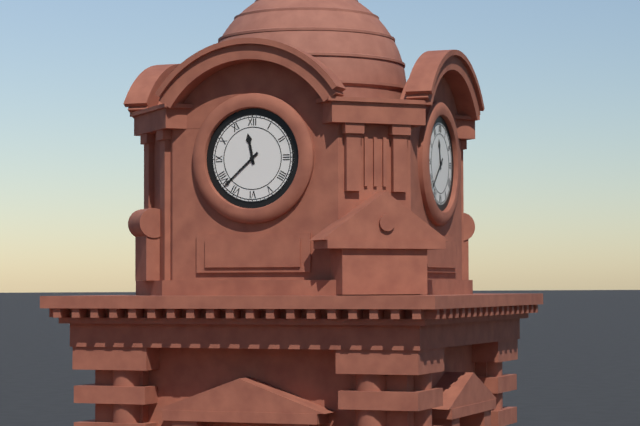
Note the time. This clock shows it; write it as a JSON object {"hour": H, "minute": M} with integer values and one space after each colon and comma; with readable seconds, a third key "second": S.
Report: {"hour": 11, "minute": 38}
